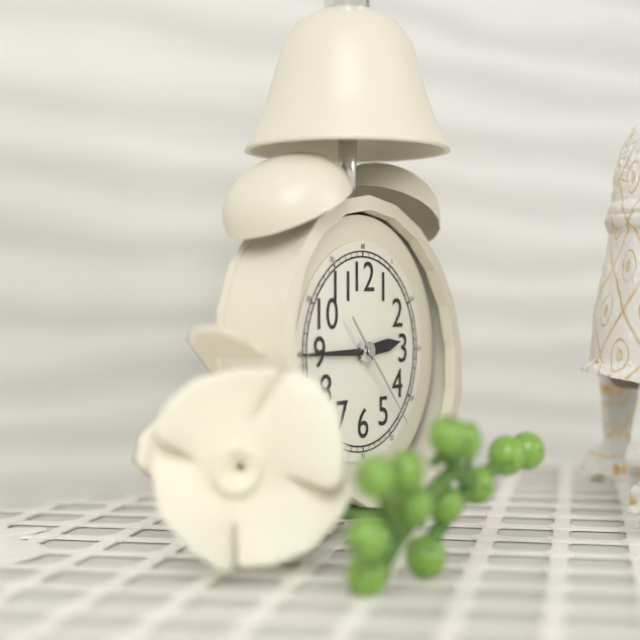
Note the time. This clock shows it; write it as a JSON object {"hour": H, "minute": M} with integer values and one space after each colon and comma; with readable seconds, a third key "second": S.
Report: {"hour": 2, "minute": 45, "second": 23}
